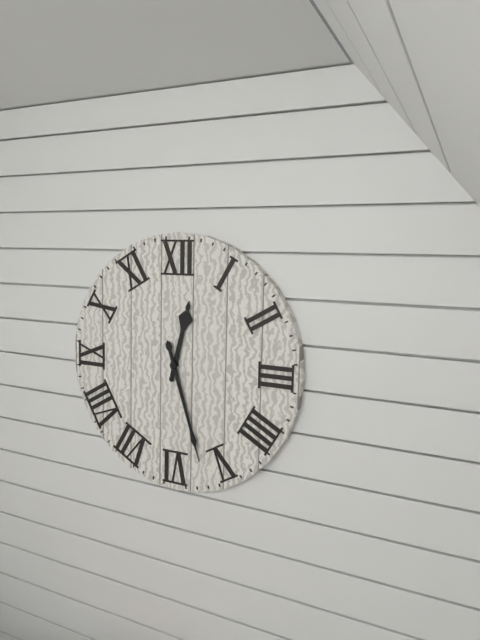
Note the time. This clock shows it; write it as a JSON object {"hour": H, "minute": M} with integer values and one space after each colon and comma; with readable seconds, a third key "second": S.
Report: {"hour": 12, "minute": 27}
